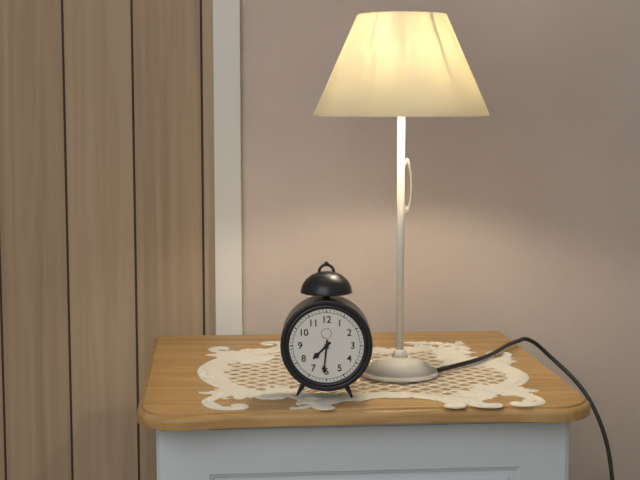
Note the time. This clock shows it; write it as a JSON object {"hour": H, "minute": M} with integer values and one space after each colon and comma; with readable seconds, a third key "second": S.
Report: {"hour": 7, "minute": 31}
